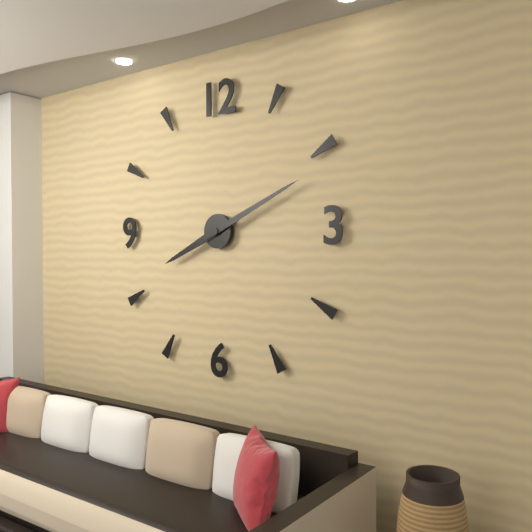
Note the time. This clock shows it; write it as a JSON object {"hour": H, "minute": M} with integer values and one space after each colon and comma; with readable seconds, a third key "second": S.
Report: {"hour": 8, "minute": 11}
